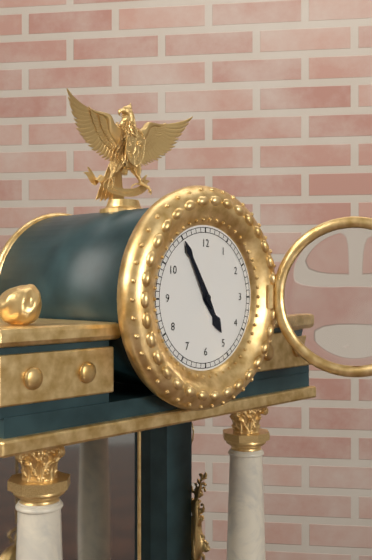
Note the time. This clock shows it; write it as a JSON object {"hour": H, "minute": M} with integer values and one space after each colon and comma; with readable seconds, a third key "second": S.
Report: {"hour": 4, "minute": 55}
